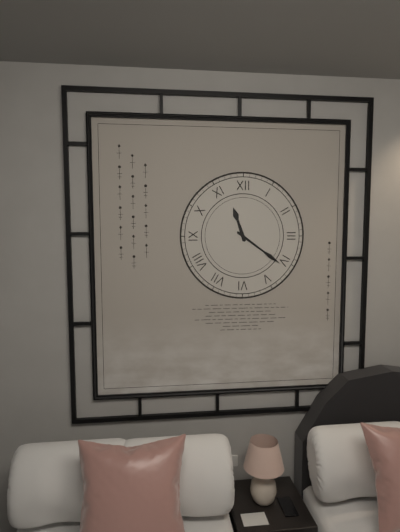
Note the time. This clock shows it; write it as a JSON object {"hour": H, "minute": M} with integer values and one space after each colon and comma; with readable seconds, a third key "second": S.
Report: {"hour": 11, "minute": 21}
